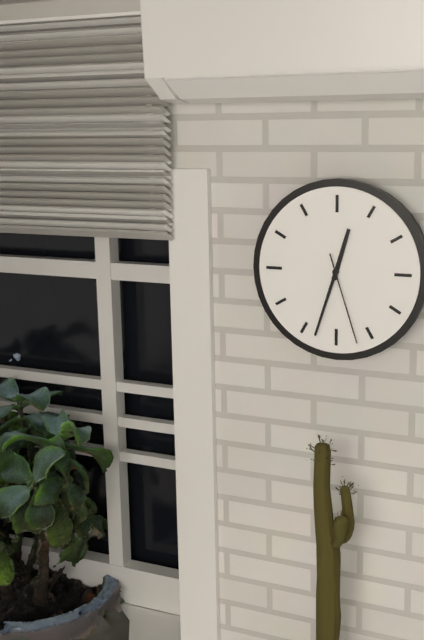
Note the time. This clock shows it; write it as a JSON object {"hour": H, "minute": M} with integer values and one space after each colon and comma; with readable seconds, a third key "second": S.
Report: {"hour": 12, "minute": 33, "second": 27}
